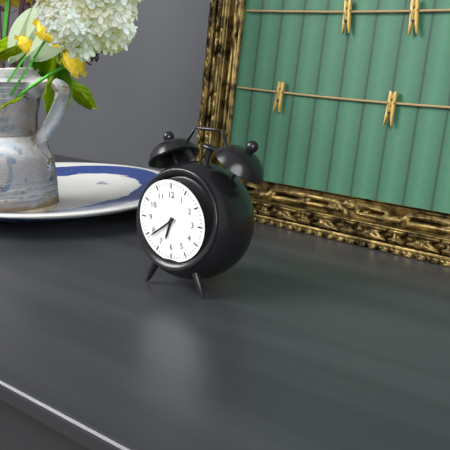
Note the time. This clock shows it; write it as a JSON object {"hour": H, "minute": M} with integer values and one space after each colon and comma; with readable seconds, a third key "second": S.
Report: {"hour": 6, "minute": 39}
